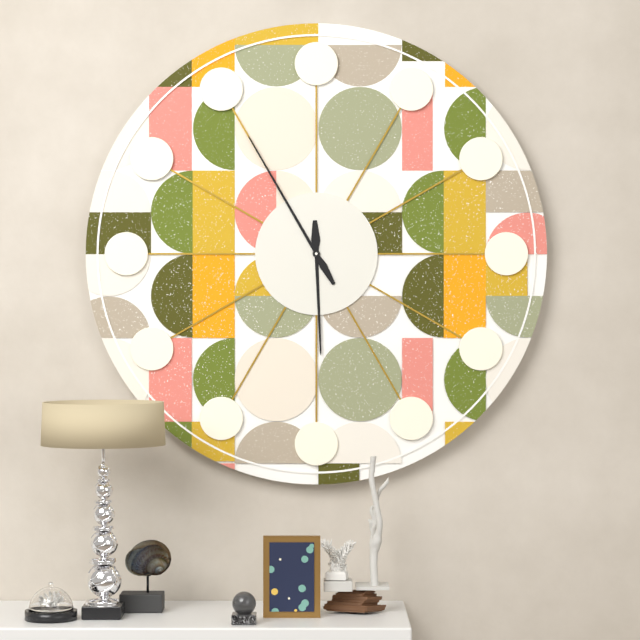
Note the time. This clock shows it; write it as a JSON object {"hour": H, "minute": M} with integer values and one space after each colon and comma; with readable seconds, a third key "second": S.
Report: {"hour": 5, "minute": 55}
